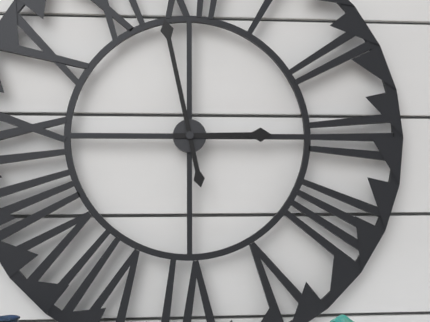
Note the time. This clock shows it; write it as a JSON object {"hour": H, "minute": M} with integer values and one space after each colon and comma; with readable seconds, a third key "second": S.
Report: {"hour": 2, "minute": 58}
